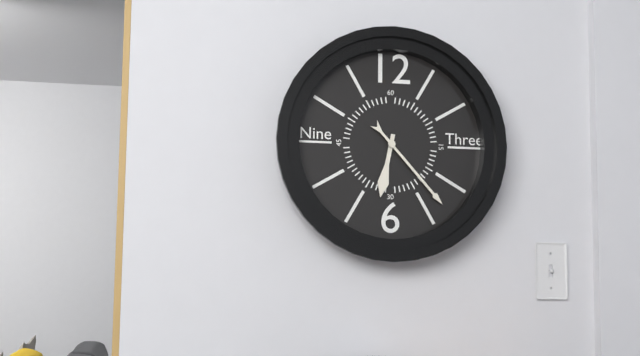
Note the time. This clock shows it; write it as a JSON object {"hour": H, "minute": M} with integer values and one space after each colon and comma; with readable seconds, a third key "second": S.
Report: {"hour": 6, "minute": 23}
